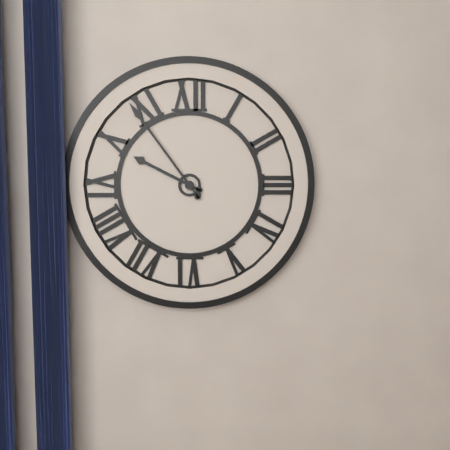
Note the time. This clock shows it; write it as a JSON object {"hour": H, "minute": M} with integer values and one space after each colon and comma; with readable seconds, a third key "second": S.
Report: {"hour": 9, "minute": 54}
